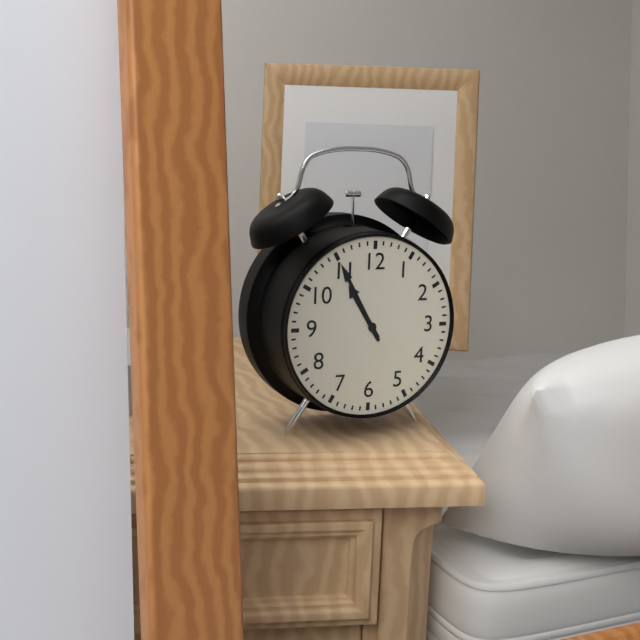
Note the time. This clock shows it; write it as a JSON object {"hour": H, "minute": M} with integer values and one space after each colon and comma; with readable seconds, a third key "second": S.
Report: {"hour": 10, "minute": 55}
